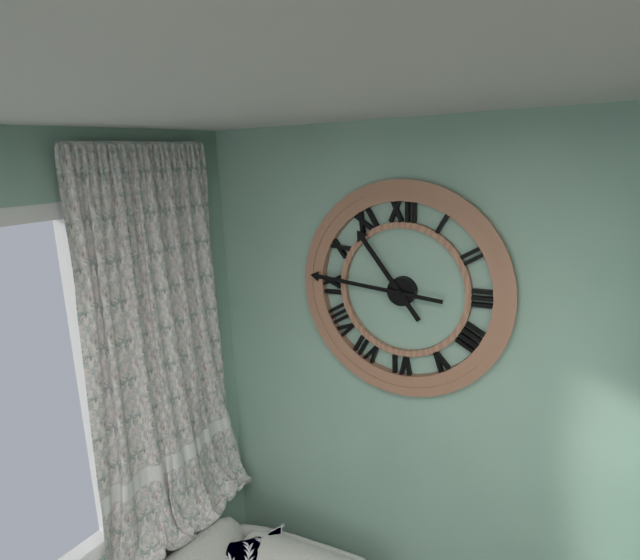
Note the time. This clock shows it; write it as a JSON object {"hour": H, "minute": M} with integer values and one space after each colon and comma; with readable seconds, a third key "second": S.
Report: {"hour": 10, "minute": 46}
